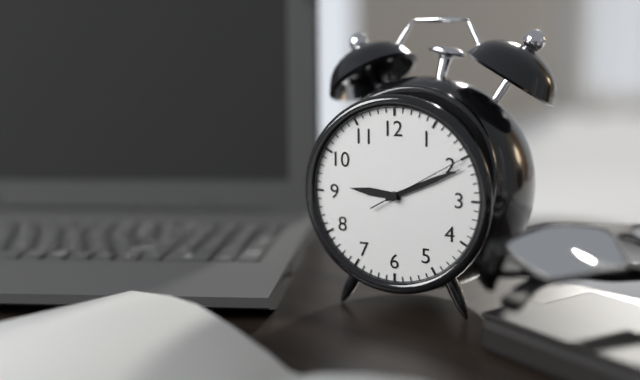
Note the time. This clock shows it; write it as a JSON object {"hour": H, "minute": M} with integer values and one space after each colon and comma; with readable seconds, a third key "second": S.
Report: {"hour": 9, "minute": 11, "second": 10}
